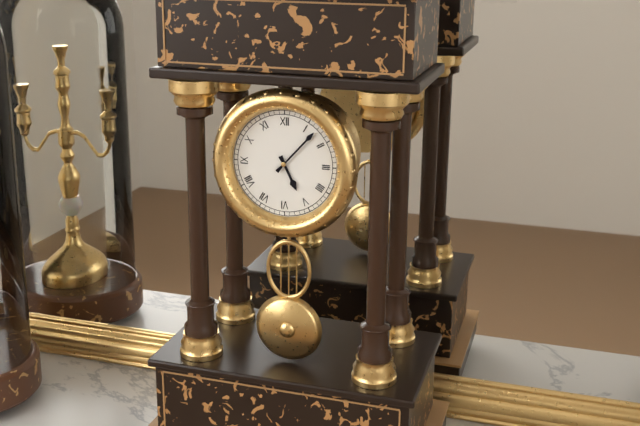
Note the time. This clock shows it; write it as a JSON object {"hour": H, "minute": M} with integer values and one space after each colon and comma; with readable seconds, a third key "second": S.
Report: {"hour": 5, "minute": 7}
